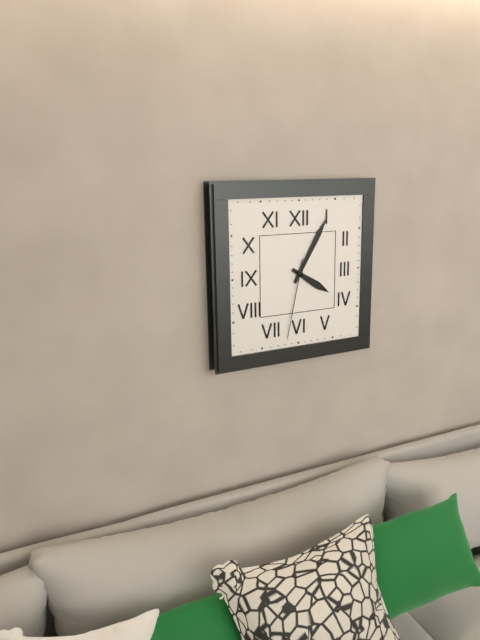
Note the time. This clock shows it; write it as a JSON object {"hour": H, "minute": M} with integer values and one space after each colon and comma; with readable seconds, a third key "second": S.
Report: {"hour": 4, "minute": 5, "second": 32}
